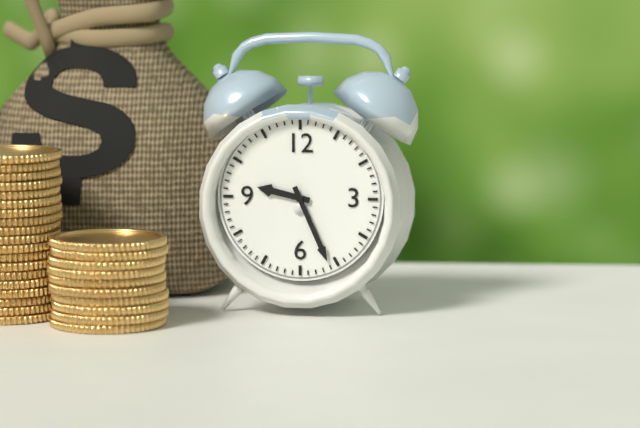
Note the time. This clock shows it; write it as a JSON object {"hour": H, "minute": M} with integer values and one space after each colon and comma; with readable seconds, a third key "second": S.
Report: {"hour": 9, "minute": 26}
